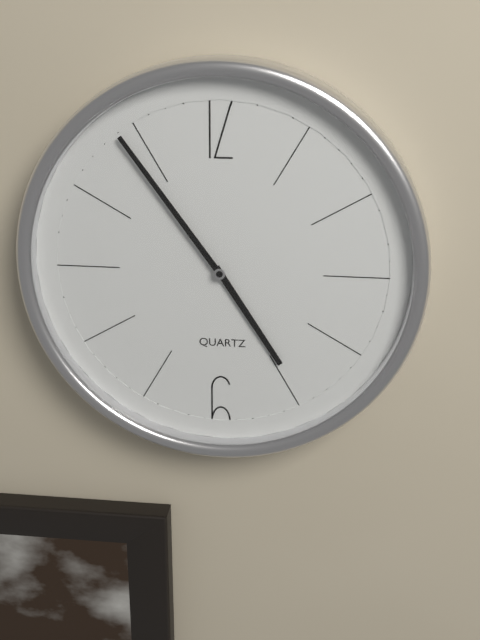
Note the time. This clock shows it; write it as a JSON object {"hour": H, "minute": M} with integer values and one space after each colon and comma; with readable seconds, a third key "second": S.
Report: {"hour": 4, "minute": 54}
